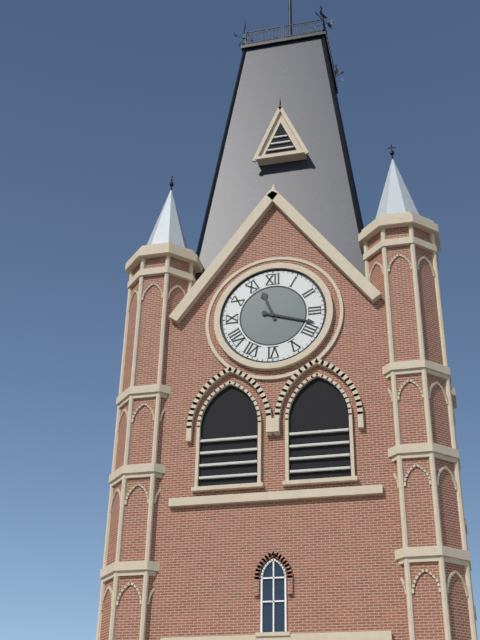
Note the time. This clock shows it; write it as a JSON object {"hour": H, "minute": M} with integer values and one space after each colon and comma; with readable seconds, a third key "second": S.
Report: {"hour": 11, "minute": 18}
